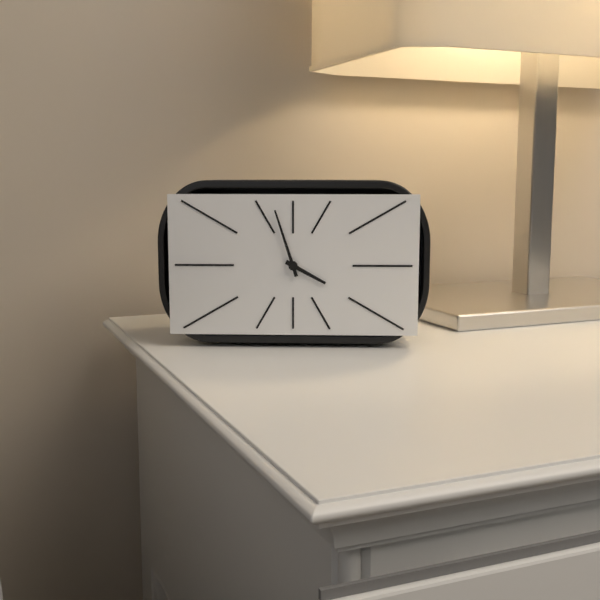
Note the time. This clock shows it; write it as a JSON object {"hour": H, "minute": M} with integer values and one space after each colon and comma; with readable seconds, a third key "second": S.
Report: {"hour": 3, "minute": 57}
